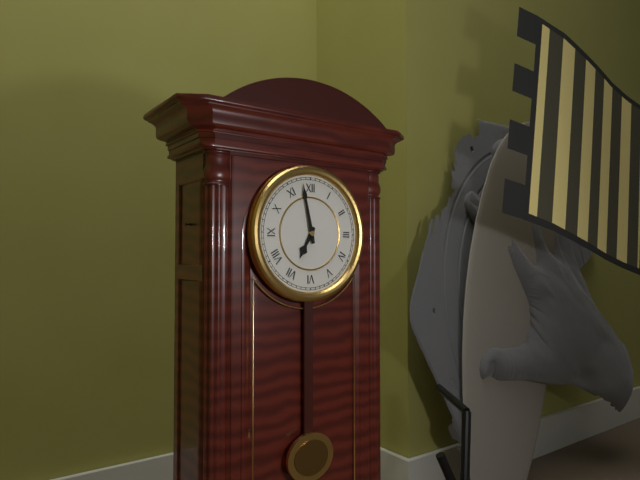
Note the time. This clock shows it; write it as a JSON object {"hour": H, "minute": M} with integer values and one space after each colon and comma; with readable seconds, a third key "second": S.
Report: {"hour": 6, "minute": 58}
